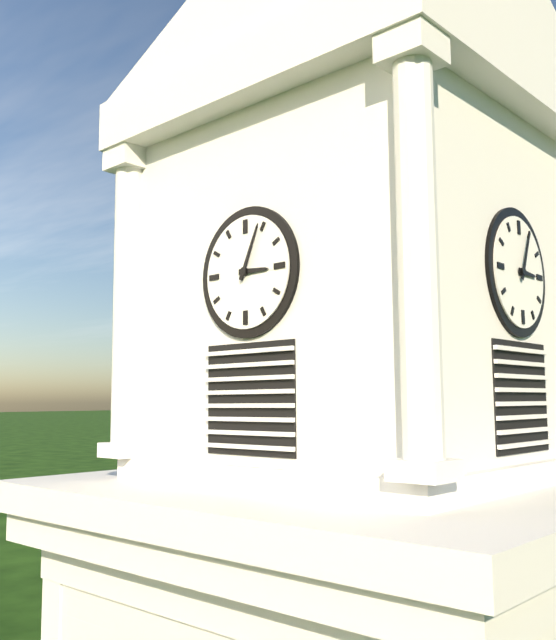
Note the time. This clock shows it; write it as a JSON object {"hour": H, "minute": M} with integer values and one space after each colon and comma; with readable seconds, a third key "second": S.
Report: {"hour": 3, "minute": 4}
